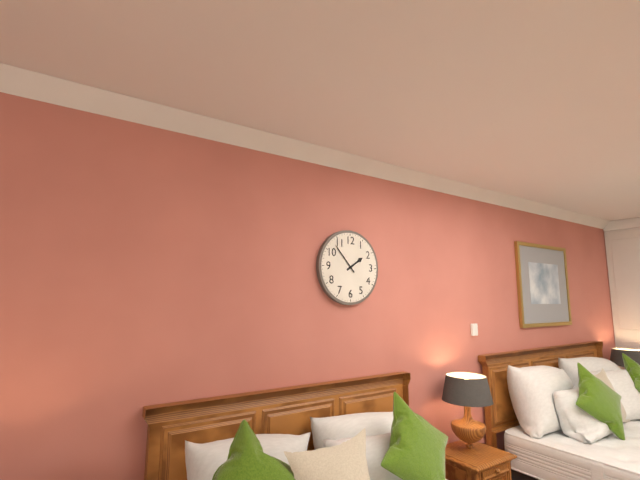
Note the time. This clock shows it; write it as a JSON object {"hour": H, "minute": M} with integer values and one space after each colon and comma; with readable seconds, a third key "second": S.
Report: {"hour": 1, "minute": 53}
